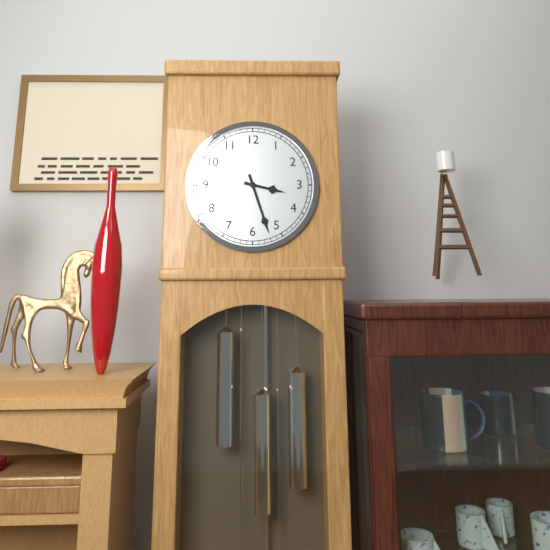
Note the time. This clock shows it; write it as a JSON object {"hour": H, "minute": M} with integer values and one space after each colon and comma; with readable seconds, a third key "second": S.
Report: {"hour": 3, "minute": 27}
